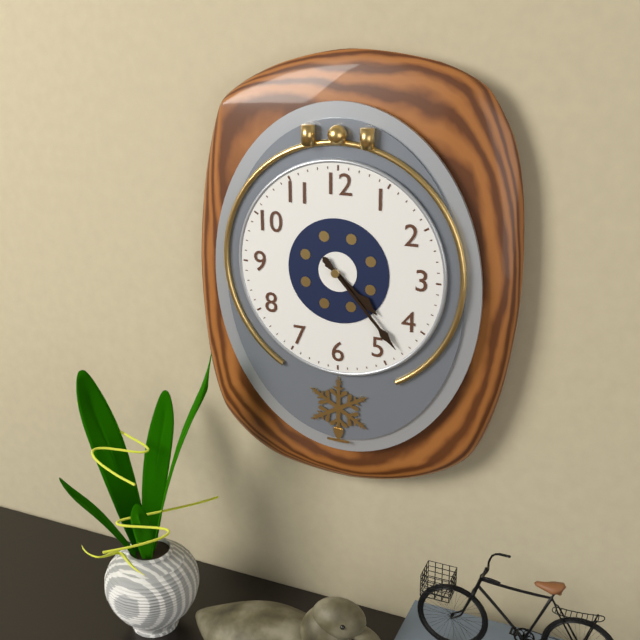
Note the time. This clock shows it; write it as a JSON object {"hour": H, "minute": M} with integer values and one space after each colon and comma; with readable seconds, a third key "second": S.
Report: {"hour": 4, "minute": 23}
